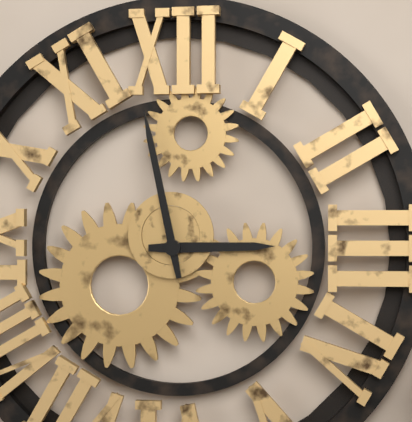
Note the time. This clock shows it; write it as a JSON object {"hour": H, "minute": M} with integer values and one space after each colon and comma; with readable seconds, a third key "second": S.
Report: {"hour": 2, "minute": 58}
